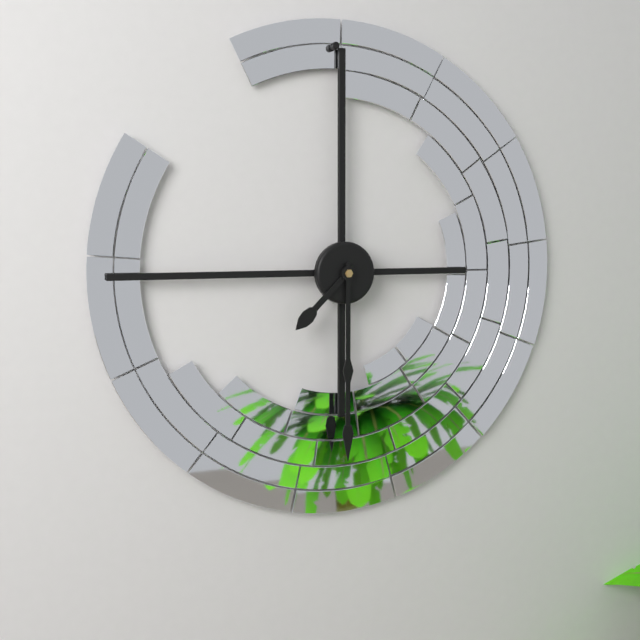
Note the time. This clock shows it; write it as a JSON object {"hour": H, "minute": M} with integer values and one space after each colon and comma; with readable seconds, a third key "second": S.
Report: {"hour": 7, "minute": 30}
